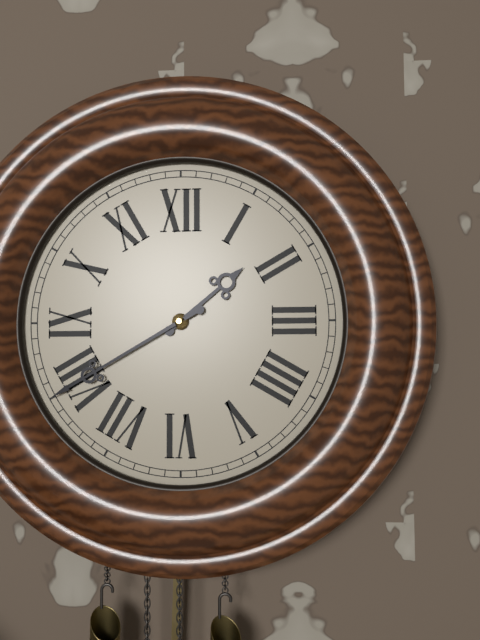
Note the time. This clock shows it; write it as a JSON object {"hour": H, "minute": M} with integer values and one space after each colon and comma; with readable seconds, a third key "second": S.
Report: {"hour": 1, "minute": 40}
